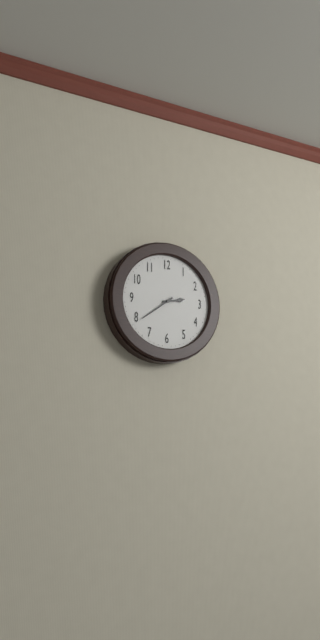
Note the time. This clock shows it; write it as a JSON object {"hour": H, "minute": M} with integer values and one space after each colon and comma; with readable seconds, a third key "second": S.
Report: {"hour": 2, "minute": 39}
